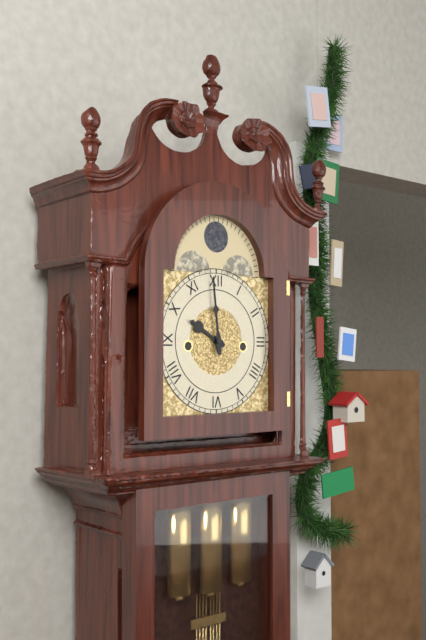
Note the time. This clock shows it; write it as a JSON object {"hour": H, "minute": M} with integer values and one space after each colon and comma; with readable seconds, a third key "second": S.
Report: {"hour": 9, "minute": 59}
